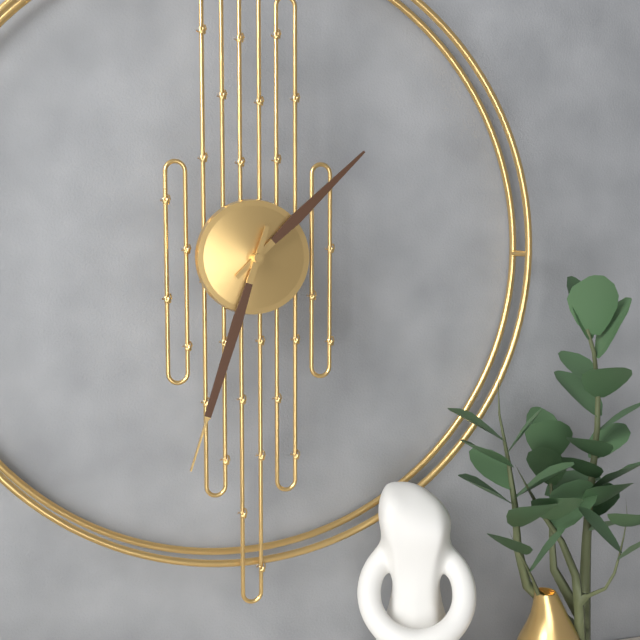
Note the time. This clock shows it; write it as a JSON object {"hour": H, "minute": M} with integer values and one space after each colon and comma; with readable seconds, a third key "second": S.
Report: {"hour": 1, "minute": 33}
